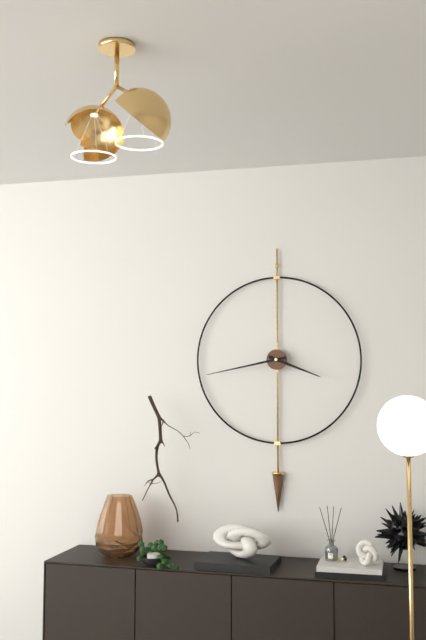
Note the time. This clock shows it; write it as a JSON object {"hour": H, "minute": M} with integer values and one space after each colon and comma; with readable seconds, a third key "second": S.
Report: {"hour": 3, "minute": 43}
